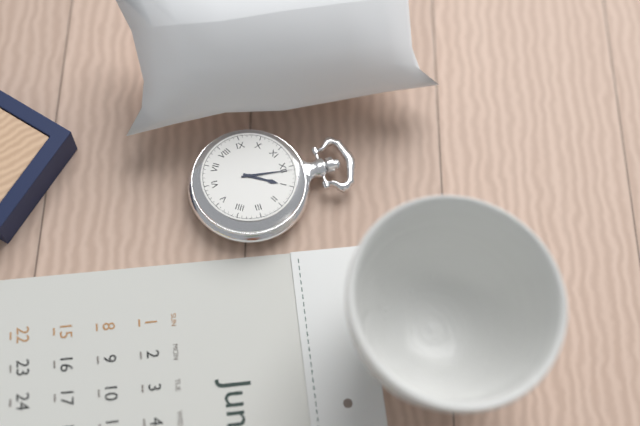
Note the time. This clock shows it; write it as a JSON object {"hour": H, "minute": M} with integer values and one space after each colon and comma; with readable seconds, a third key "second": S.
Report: {"hour": 1, "minute": 1}
